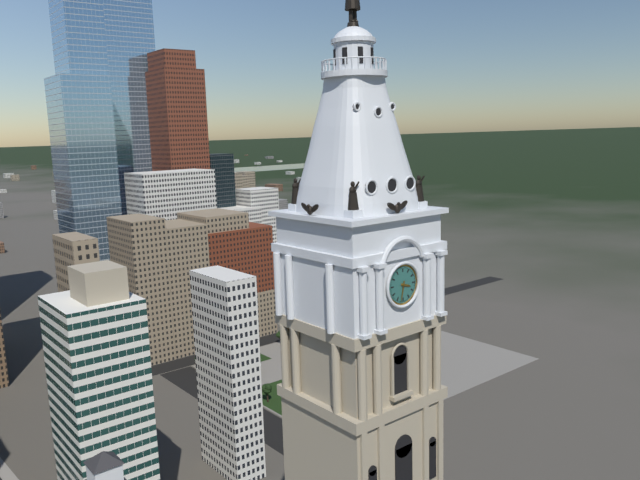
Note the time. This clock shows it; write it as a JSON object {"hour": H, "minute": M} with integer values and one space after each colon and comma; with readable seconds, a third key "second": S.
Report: {"hour": 3, "minute": 32}
